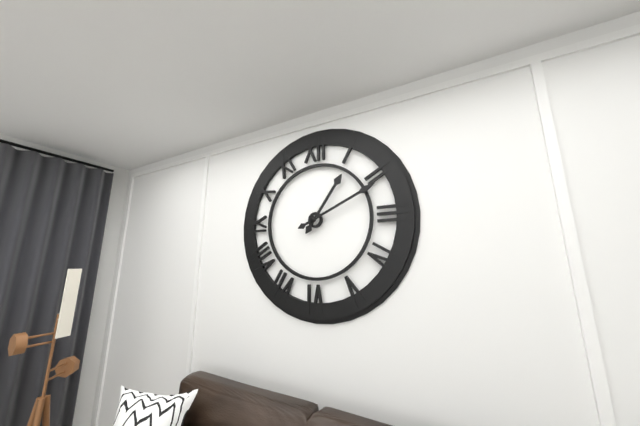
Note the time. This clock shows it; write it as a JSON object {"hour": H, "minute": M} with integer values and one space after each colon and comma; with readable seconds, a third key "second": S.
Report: {"hour": 1, "minute": 11}
